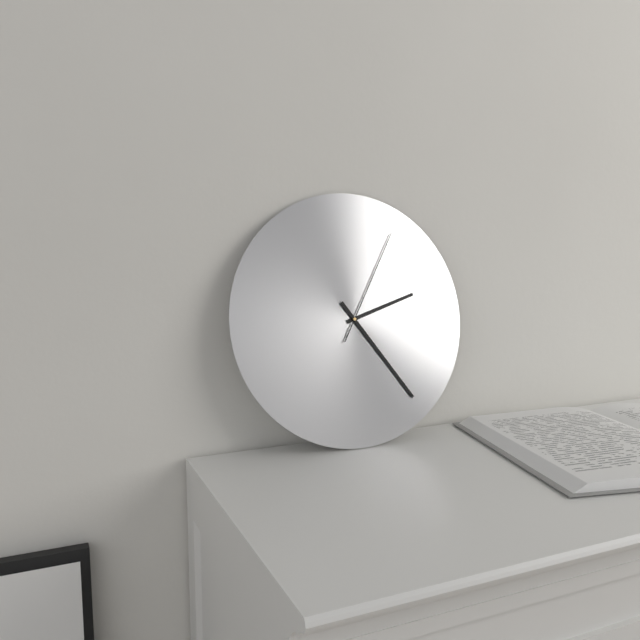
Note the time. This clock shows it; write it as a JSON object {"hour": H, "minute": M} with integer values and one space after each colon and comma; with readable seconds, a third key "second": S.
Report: {"hour": 2, "minute": 24, "second": 5}
